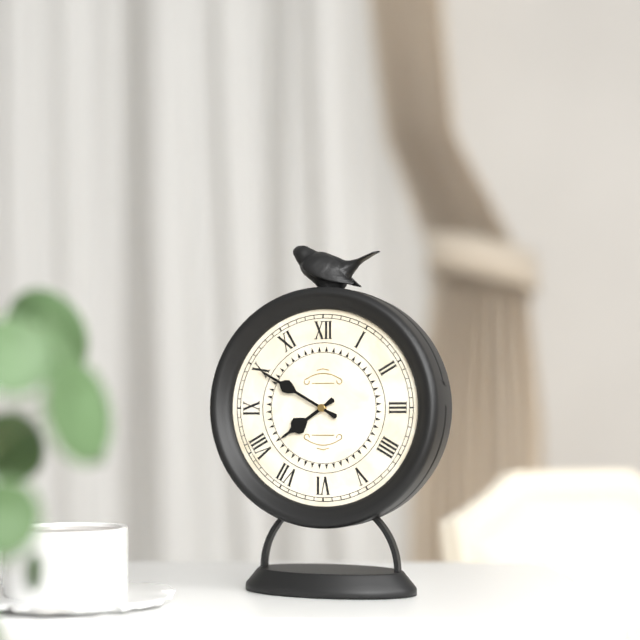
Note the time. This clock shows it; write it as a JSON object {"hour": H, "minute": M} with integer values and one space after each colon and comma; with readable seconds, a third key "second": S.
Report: {"hour": 7, "minute": 50}
